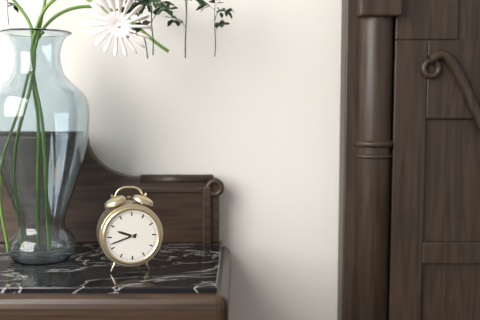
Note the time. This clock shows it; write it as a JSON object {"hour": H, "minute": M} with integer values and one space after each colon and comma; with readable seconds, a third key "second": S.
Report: {"hour": 9, "minute": 42}
